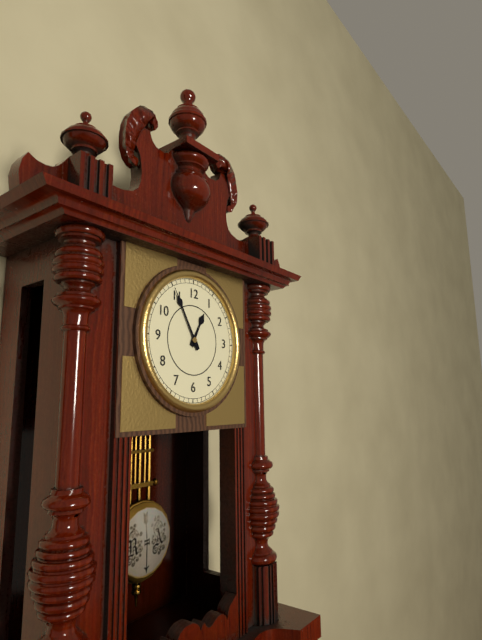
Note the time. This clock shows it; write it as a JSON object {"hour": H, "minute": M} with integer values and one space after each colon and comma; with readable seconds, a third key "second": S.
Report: {"hour": 12, "minute": 55}
